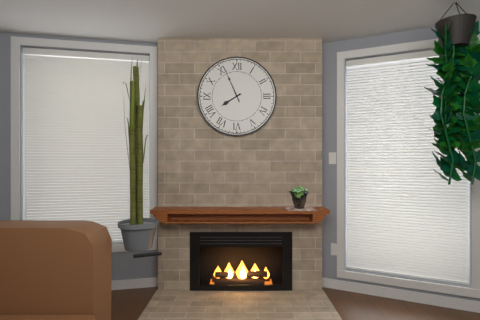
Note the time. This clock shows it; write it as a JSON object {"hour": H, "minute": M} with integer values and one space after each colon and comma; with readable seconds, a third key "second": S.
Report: {"hour": 7, "minute": 56}
